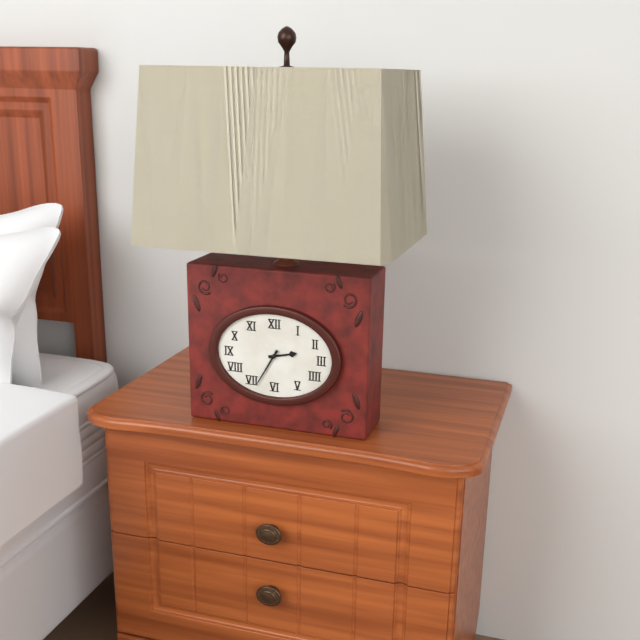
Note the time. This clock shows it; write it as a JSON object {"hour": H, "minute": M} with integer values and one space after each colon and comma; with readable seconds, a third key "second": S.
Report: {"hour": 2, "minute": 35}
